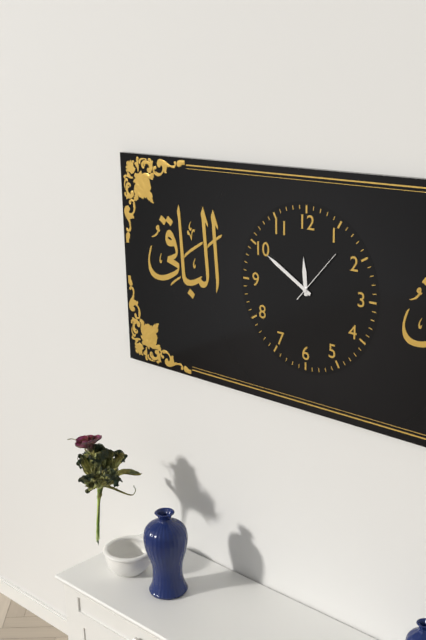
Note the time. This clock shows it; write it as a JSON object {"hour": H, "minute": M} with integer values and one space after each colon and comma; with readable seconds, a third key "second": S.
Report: {"hour": 11, "minute": 50, "second": 7}
